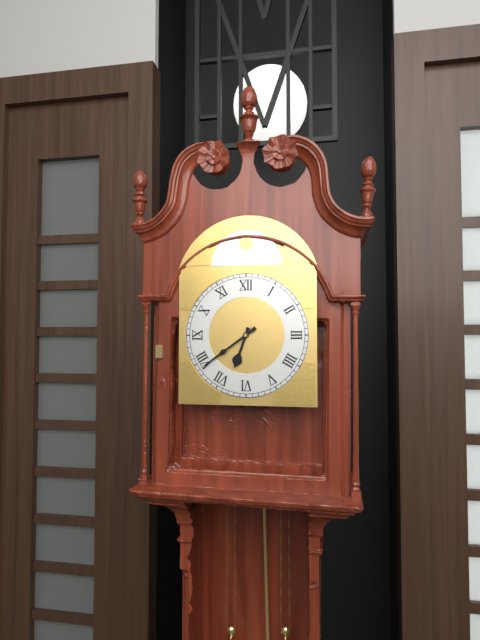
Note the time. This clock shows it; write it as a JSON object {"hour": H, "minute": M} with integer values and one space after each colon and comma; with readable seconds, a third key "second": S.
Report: {"hour": 6, "minute": 39}
